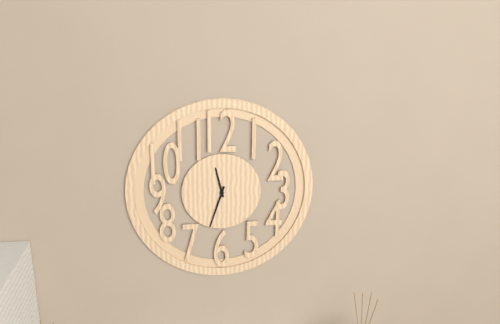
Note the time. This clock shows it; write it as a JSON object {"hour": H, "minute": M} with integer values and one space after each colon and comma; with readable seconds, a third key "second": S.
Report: {"hour": 11, "minute": 33}
